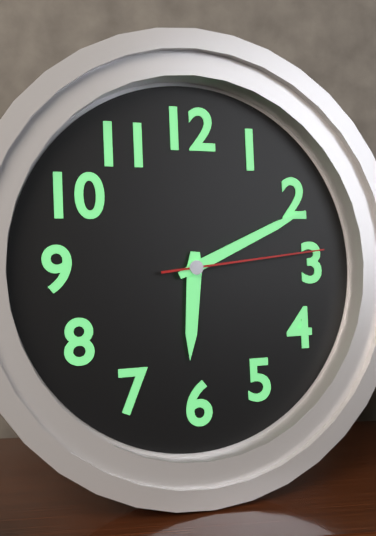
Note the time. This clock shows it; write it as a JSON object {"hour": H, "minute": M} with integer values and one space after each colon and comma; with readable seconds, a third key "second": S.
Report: {"hour": 6, "minute": 11, "second": 14}
